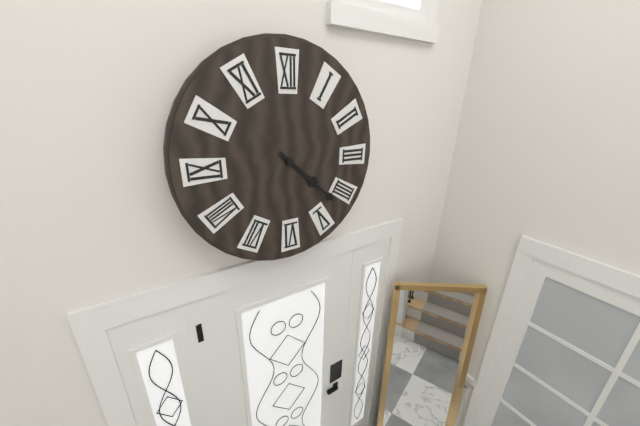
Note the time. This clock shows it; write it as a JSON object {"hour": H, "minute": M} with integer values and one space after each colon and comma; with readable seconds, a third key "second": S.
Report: {"hour": 4, "minute": 22}
